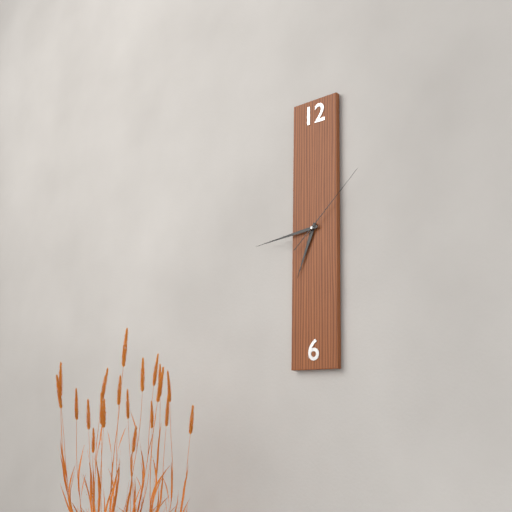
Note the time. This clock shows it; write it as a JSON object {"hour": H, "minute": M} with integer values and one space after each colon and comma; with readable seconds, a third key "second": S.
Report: {"hour": 6, "minute": 44, "second": 8}
